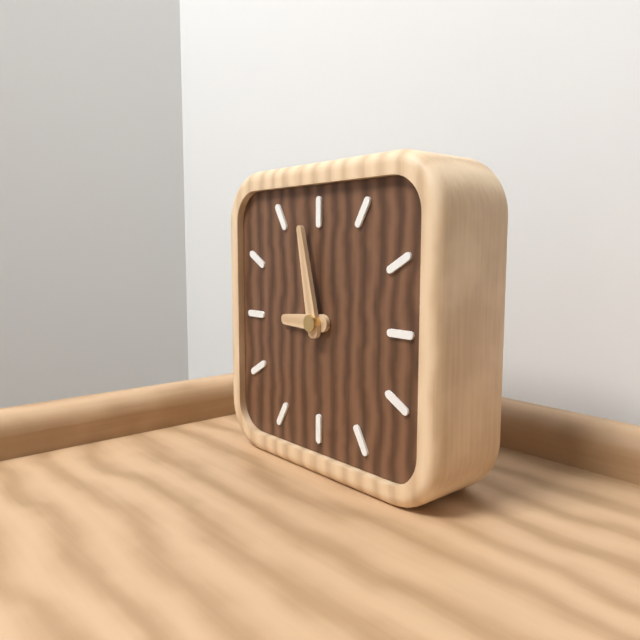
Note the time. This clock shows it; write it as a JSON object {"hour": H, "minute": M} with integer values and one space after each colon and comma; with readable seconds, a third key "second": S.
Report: {"hour": 8, "minute": 58}
